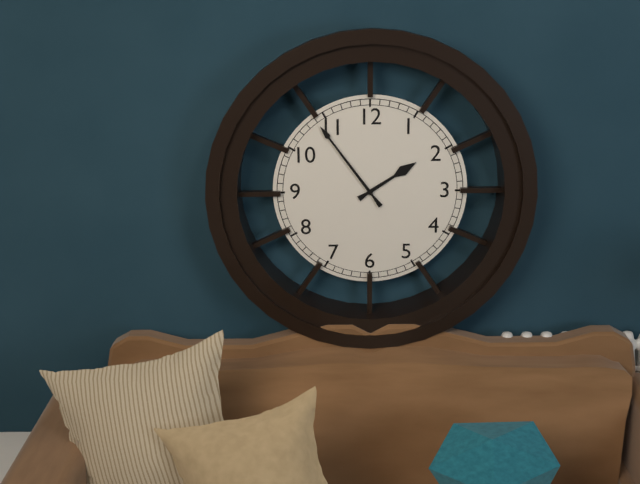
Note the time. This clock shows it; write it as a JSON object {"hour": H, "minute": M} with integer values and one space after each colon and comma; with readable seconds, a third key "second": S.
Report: {"hour": 1, "minute": 54}
